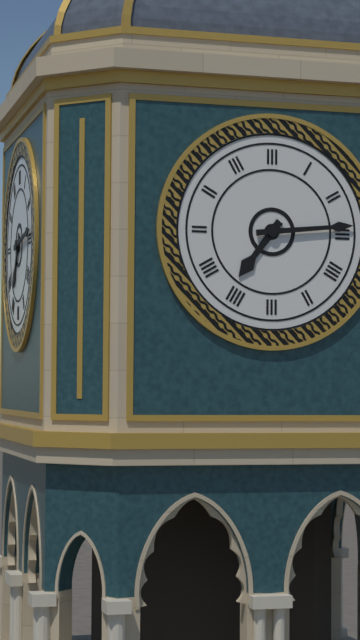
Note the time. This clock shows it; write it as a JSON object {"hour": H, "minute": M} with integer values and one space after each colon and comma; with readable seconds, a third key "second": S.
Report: {"hour": 7, "minute": 14}
